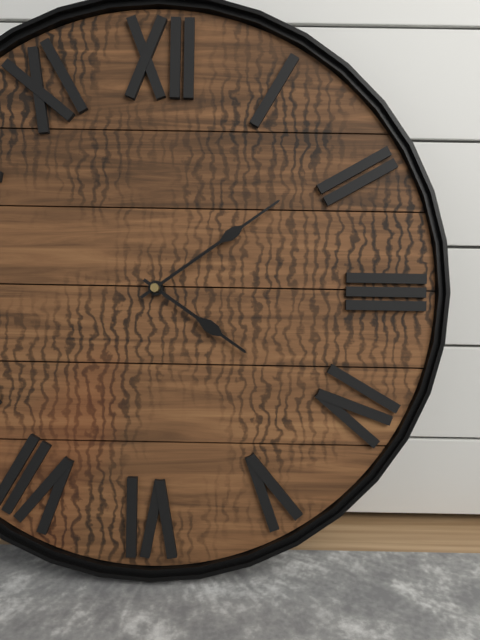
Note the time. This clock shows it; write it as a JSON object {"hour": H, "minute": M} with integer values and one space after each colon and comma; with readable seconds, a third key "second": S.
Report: {"hour": 4, "minute": 9}
